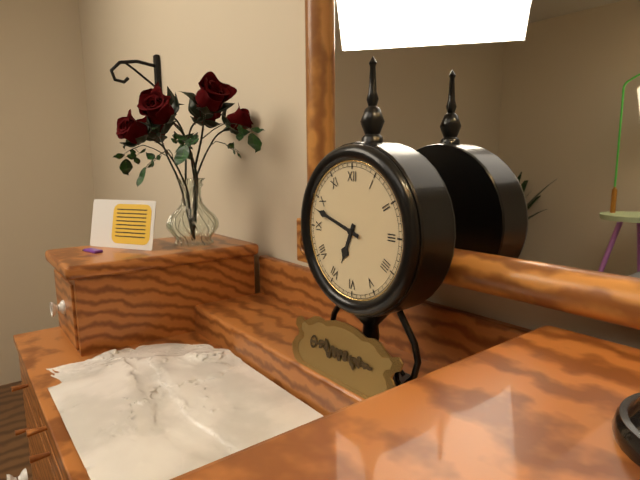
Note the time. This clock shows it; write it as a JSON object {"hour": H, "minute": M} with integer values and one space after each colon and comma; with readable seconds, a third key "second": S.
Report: {"hour": 6, "minute": 48}
